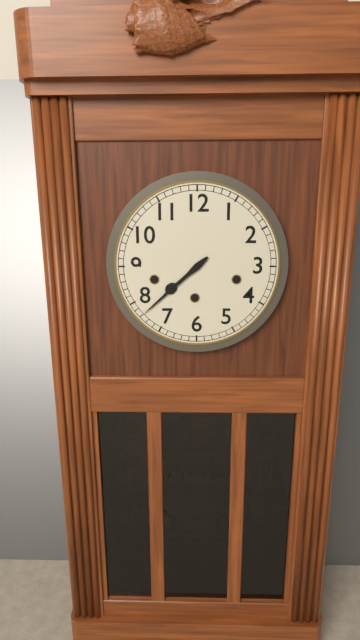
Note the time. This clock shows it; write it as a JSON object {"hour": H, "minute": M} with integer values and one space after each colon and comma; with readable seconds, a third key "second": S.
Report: {"hour": 7, "minute": 38}
